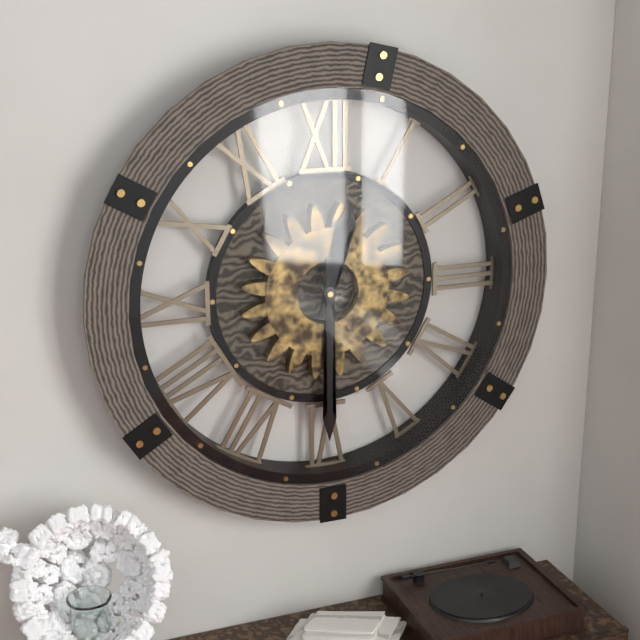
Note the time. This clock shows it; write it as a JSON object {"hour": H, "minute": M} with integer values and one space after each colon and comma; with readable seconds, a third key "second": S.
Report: {"hour": 12, "minute": 30}
